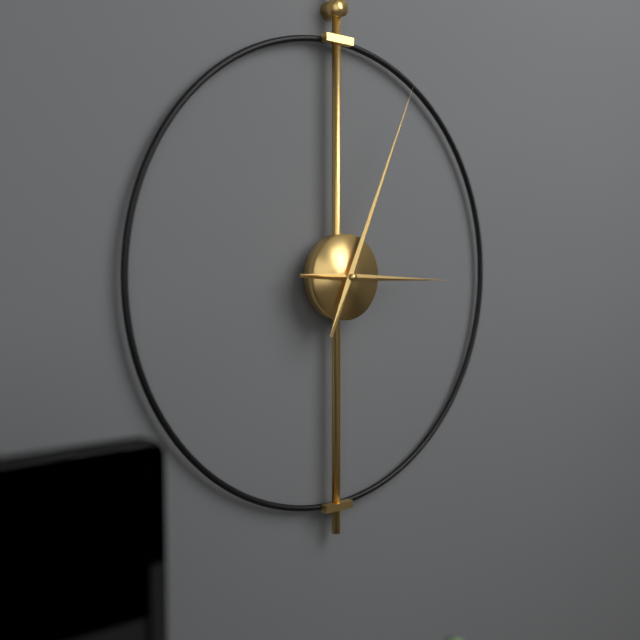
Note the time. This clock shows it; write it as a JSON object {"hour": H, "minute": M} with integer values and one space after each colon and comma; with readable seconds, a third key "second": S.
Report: {"hour": 3, "minute": 4}
